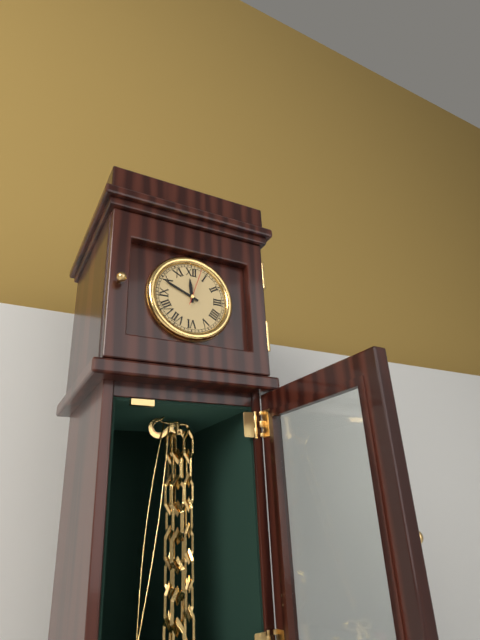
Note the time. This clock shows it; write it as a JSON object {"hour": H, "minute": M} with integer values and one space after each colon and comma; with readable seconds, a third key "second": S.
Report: {"hour": 11, "minute": 49}
